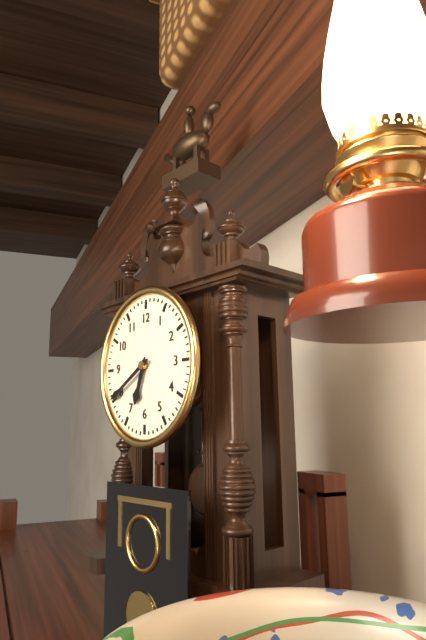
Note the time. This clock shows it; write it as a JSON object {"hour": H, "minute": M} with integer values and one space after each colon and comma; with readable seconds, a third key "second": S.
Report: {"hour": 6, "minute": 40}
